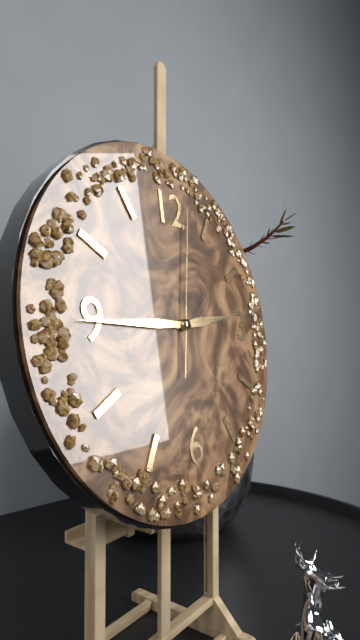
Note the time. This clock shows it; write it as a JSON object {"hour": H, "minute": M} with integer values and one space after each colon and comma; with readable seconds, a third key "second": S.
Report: {"hour": 2, "minute": 45, "second": 2}
